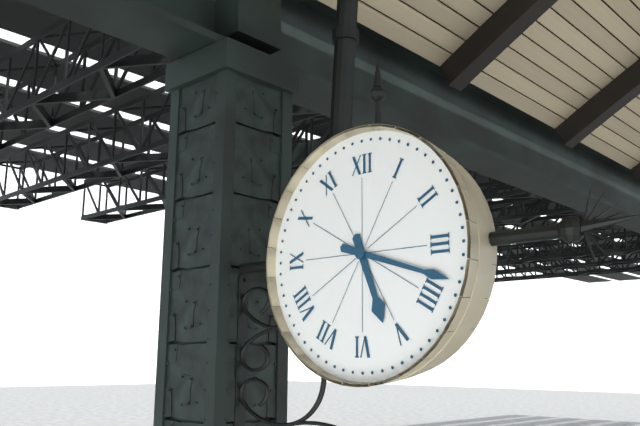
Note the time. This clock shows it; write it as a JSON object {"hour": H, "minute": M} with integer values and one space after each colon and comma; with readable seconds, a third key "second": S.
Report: {"hour": 5, "minute": 18}
